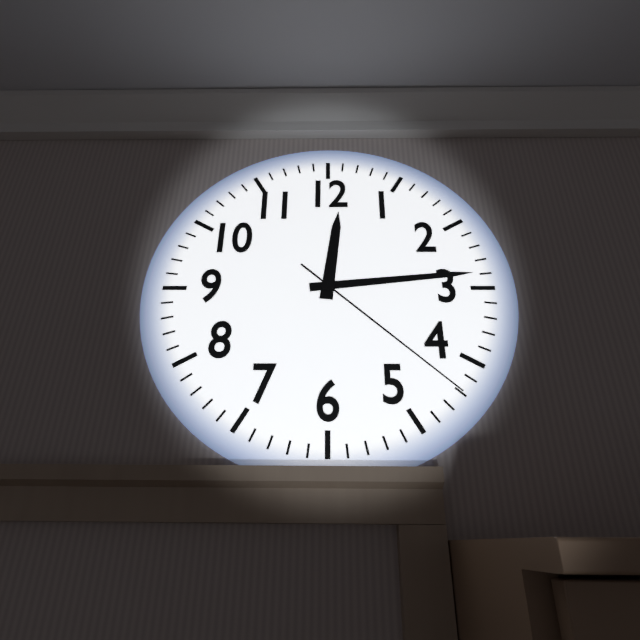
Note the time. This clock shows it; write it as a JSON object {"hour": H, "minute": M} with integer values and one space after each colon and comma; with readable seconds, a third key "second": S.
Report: {"hour": 12, "minute": 14, "second": 22}
